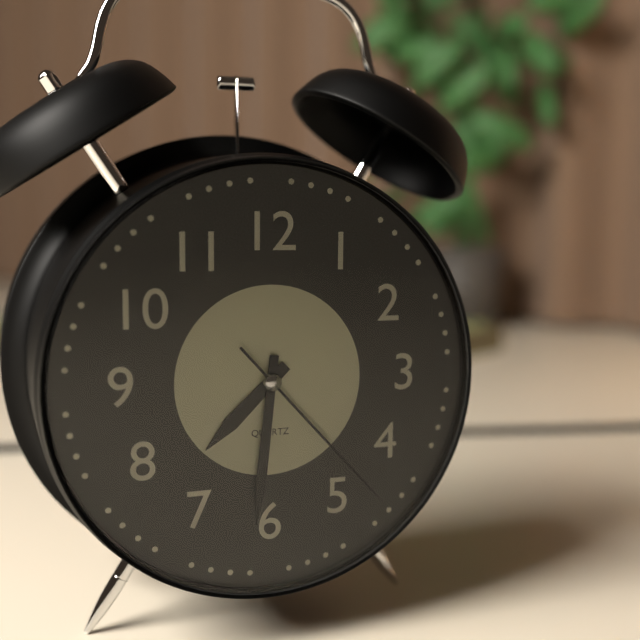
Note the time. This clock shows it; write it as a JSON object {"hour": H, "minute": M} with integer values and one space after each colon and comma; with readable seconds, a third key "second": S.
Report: {"hour": 7, "minute": 31, "second": 23}
